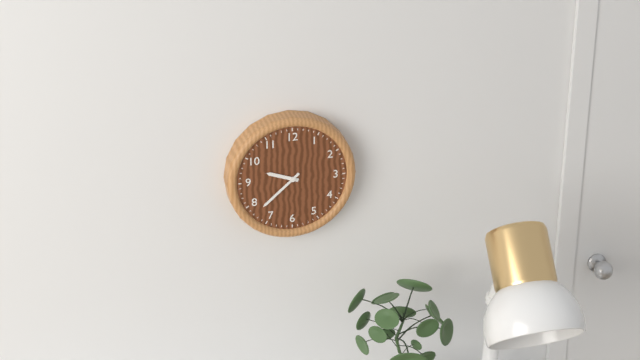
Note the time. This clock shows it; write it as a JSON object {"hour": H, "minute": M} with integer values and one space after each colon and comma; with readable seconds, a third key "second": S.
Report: {"hour": 9, "minute": 38}
